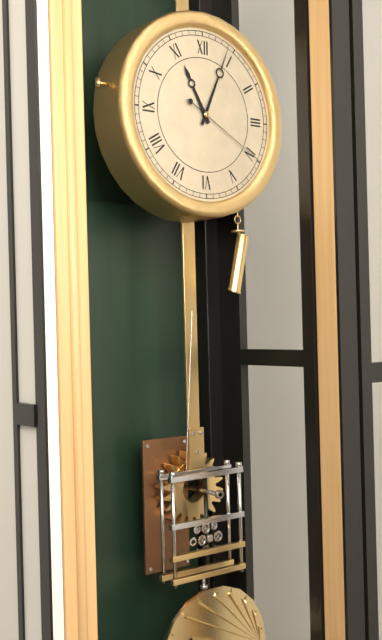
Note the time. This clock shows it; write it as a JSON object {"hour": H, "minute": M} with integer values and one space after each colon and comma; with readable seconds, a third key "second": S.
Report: {"hour": 11, "minute": 4, "second": 20}
